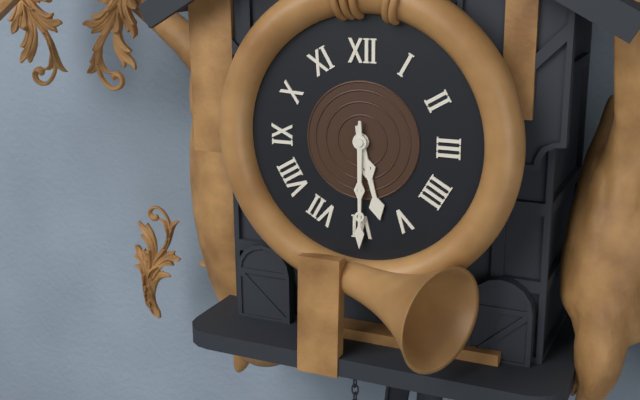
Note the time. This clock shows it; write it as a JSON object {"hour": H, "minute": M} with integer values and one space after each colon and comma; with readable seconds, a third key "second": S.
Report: {"hour": 5, "minute": 30}
